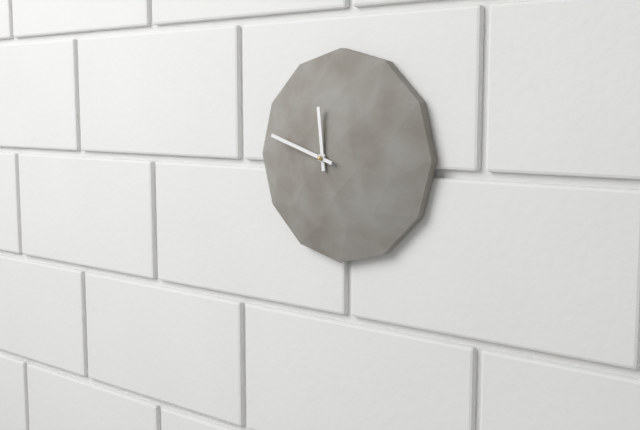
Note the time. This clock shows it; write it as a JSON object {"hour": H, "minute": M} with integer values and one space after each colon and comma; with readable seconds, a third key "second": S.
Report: {"hour": 11, "minute": 48}
